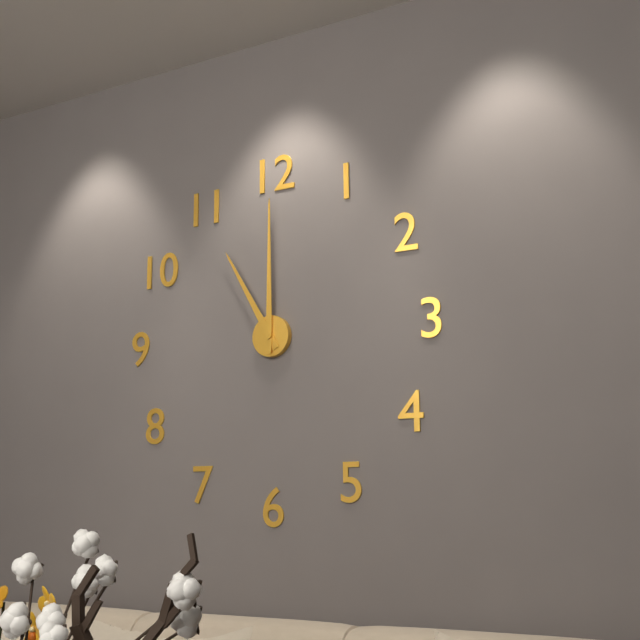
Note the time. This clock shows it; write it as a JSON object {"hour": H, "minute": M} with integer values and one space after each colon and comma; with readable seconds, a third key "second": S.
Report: {"hour": 11, "minute": 0}
